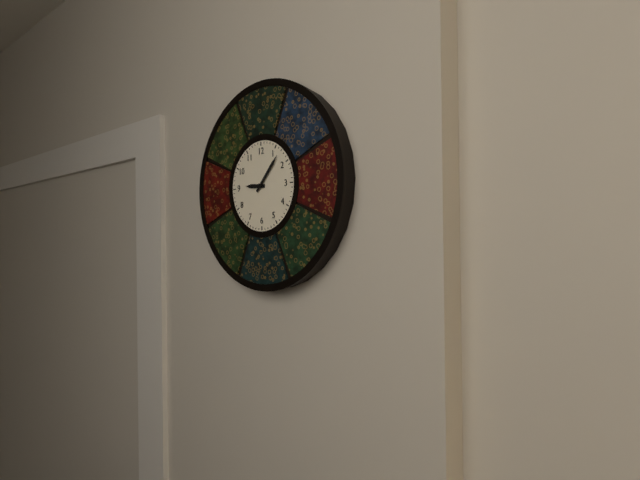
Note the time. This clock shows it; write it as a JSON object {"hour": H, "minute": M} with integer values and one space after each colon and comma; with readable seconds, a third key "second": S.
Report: {"hour": 9, "minute": 7}
